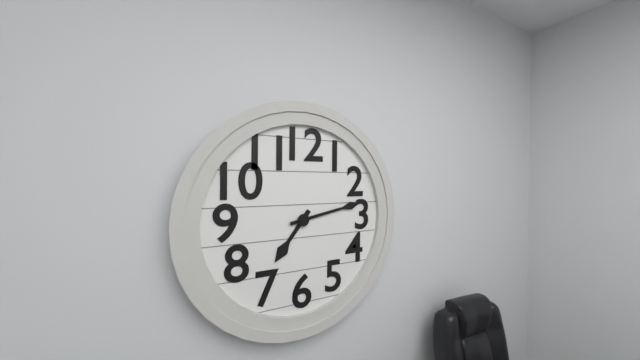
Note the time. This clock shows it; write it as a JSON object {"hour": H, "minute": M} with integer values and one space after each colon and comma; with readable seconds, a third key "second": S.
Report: {"hour": 7, "minute": 13}
